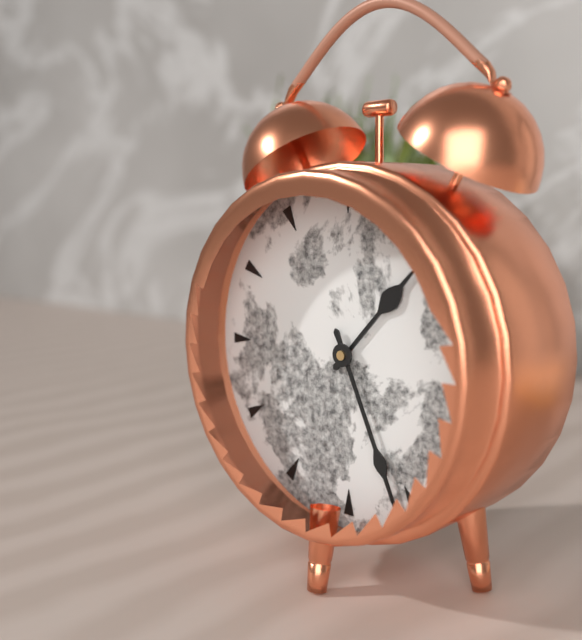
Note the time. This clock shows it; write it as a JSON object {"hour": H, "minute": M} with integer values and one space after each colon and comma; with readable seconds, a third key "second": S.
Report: {"hour": 1, "minute": 26}
